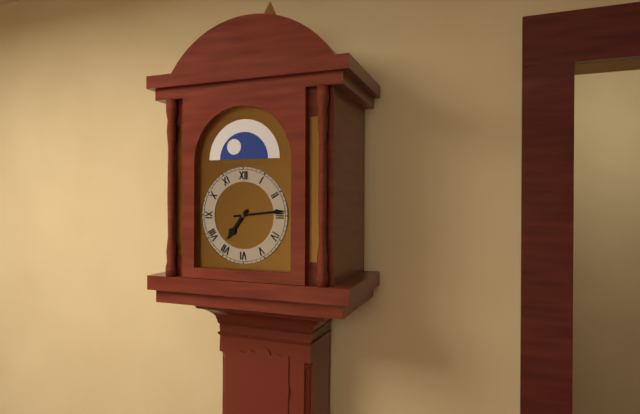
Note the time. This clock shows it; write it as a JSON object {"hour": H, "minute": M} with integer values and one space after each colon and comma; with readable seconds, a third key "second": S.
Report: {"hour": 7, "minute": 14}
